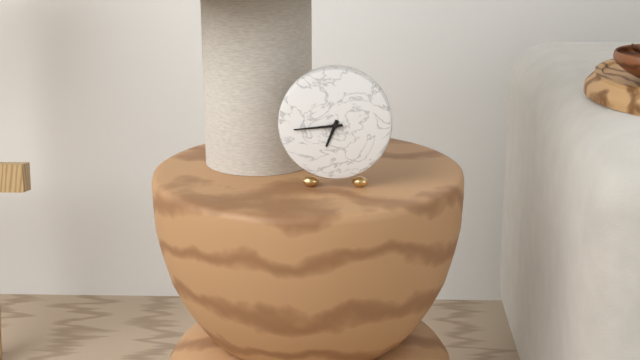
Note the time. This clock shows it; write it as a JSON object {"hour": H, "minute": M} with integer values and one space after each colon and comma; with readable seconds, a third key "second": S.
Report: {"hour": 6, "minute": 44}
